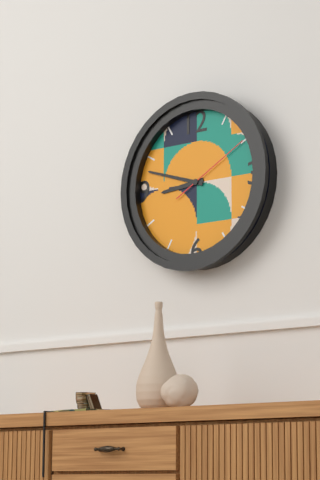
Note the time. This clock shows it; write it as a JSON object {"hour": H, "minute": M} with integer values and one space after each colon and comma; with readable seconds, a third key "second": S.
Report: {"hour": 8, "minute": 48, "second": 10}
